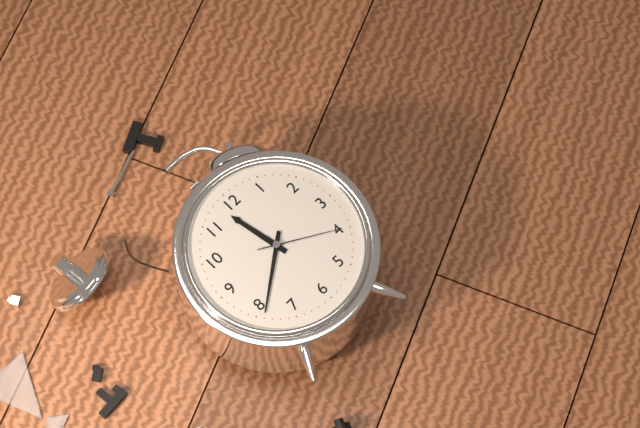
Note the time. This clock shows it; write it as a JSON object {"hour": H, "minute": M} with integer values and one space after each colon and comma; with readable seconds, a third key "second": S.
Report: {"hour": 11, "minute": 39, "second": 20}
